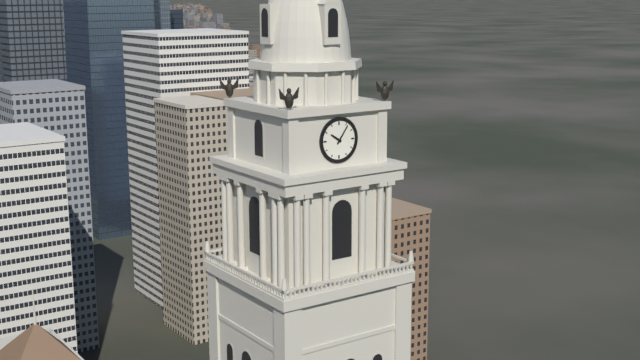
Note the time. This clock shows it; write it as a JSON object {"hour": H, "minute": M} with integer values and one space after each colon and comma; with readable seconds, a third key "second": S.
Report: {"hour": 10, "minute": 6}
